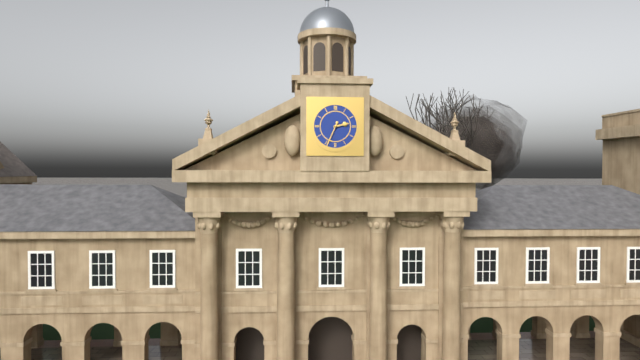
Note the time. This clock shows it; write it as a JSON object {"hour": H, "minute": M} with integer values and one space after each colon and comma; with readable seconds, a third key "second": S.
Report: {"hour": 2, "minute": 34}
